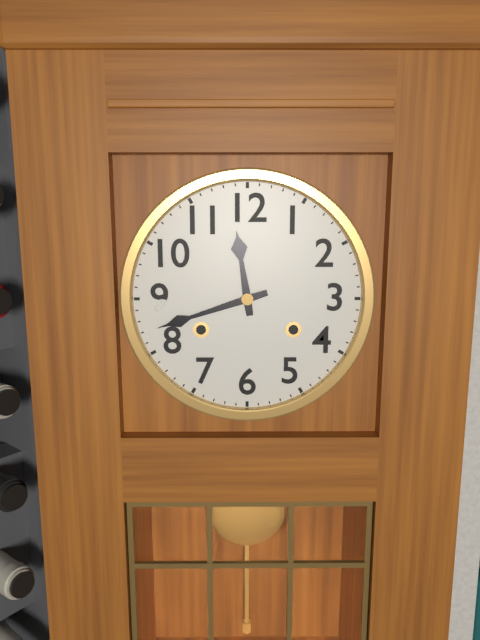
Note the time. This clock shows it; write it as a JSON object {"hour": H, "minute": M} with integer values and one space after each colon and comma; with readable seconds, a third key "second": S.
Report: {"hour": 11, "minute": 42}
